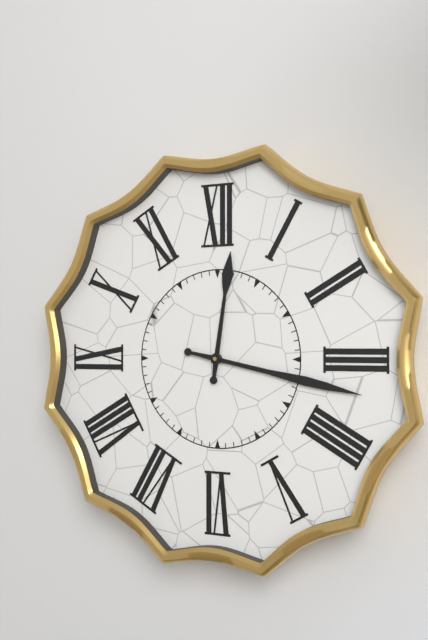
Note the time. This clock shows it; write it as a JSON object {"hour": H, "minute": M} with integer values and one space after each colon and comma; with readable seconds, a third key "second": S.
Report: {"hour": 12, "minute": 17}
